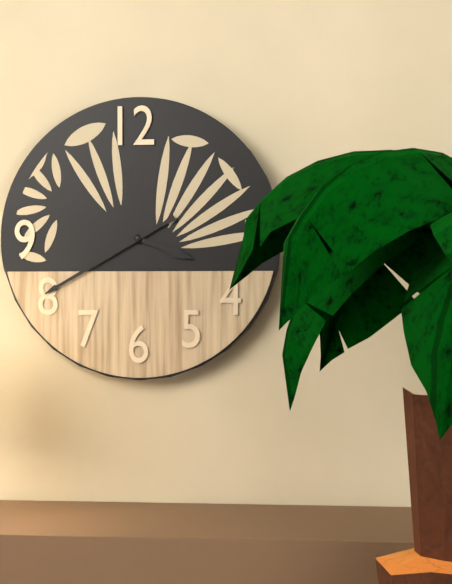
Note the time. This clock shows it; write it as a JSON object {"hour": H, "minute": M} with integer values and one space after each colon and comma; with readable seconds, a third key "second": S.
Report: {"hour": 3, "minute": 40}
